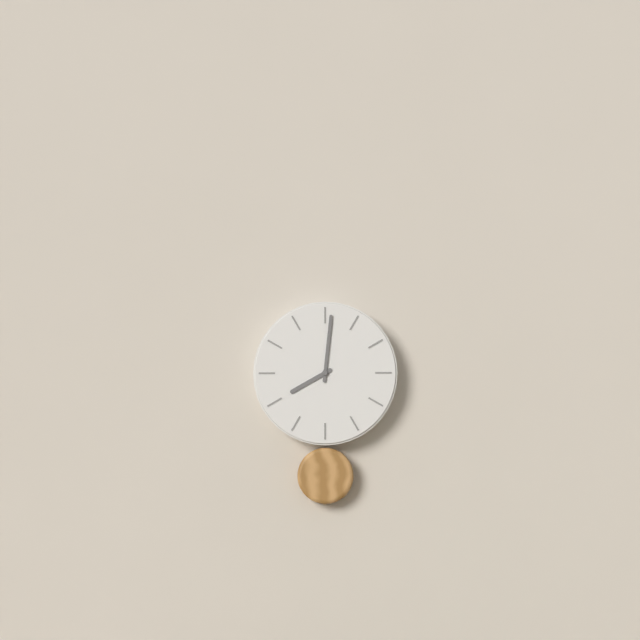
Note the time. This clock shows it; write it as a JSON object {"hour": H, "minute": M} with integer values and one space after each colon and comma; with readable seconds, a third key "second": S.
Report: {"hour": 8, "minute": 1}
